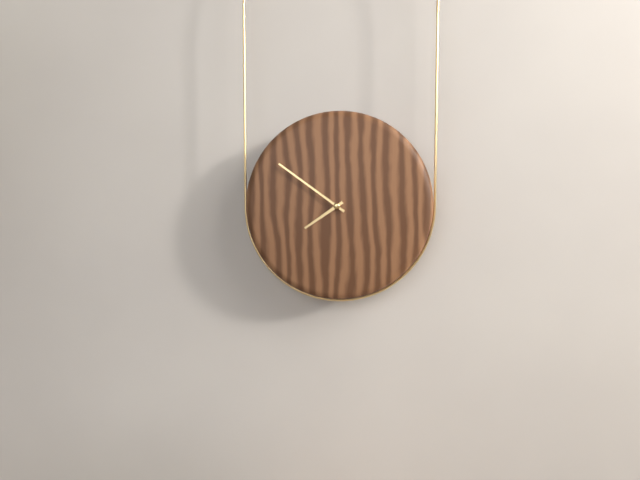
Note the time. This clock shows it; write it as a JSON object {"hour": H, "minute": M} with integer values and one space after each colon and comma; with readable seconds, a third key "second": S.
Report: {"hour": 7, "minute": 51}
